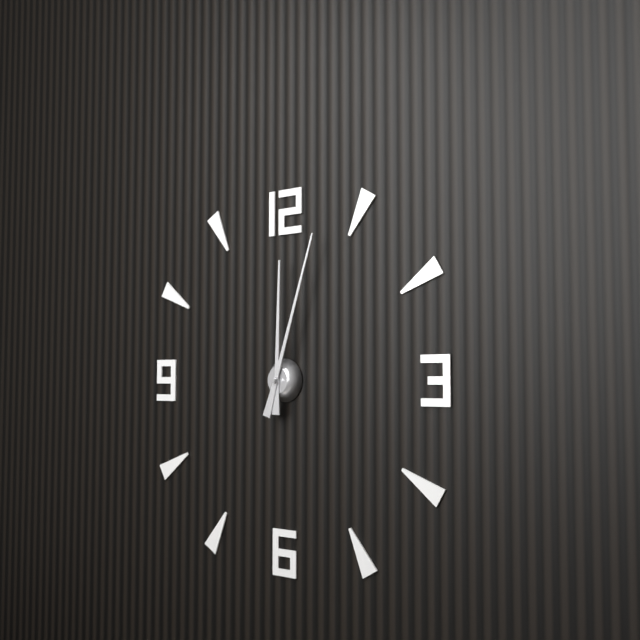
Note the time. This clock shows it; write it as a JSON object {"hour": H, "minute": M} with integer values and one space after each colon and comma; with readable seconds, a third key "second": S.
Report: {"hour": 12, "minute": 3}
